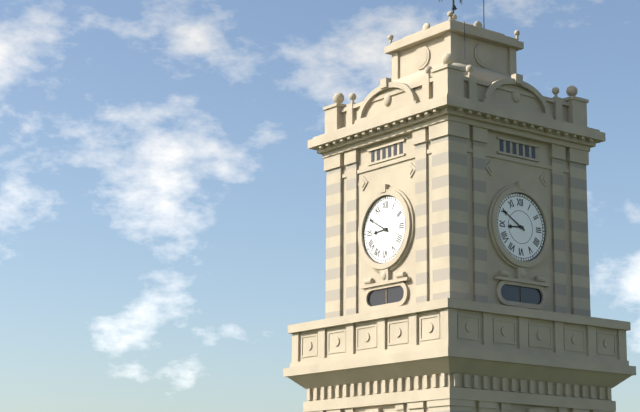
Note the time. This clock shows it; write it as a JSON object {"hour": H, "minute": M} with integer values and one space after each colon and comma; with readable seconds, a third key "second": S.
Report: {"hour": 8, "minute": 50}
